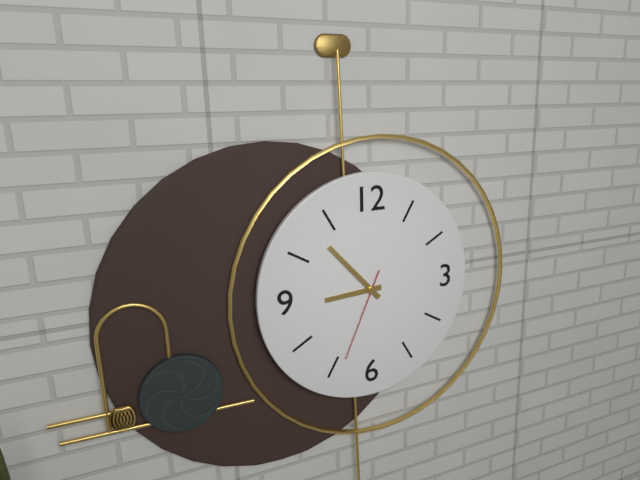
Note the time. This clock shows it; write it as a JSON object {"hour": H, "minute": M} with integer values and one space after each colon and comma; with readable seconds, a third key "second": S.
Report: {"hour": 8, "minute": 53, "second": 34}
